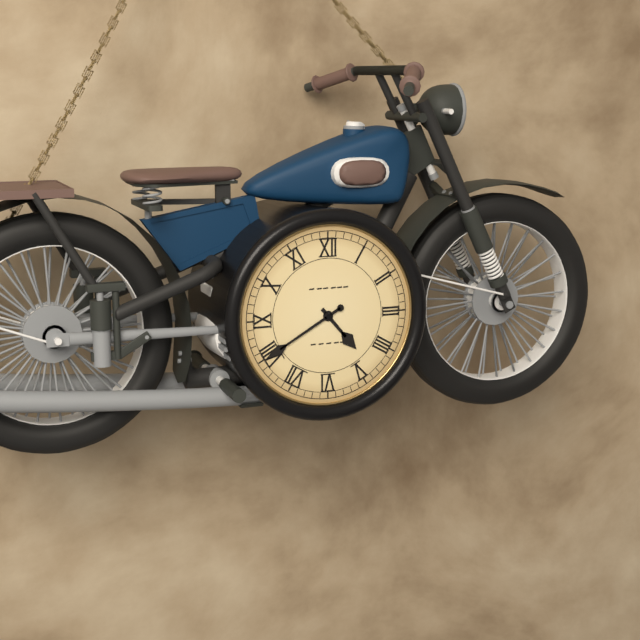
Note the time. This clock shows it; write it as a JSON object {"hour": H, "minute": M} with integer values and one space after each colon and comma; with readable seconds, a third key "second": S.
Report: {"hour": 4, "minute": 40}
